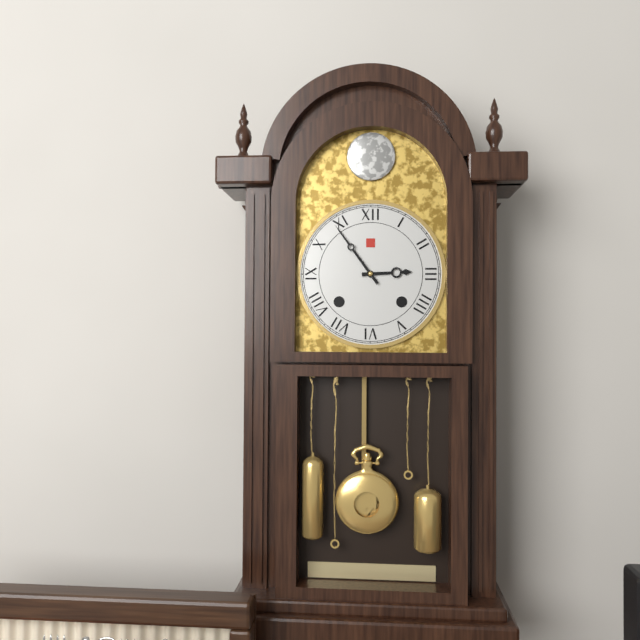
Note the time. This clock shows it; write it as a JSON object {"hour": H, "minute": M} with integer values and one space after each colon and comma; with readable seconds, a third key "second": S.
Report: {"hour": 2, "minute": 54}
